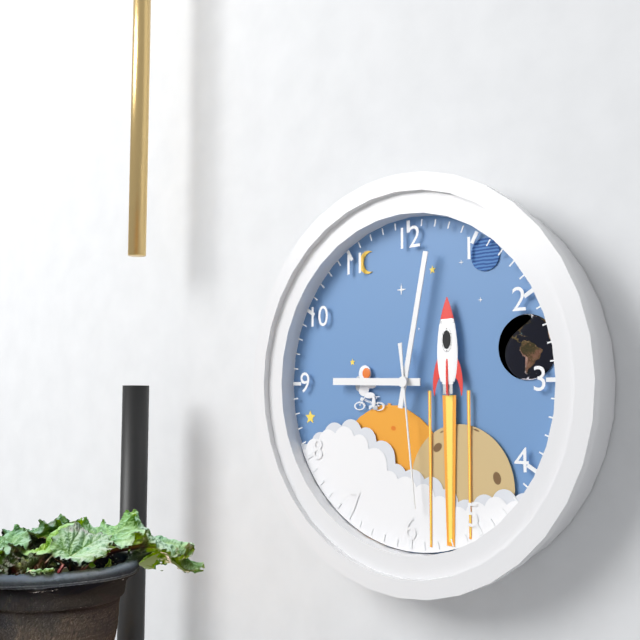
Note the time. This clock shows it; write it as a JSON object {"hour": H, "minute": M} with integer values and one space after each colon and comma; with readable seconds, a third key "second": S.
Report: {"hour": 9, "minute": 2, "second": 29}
